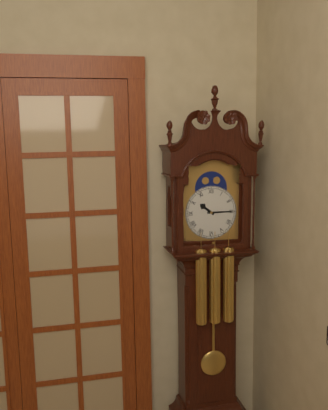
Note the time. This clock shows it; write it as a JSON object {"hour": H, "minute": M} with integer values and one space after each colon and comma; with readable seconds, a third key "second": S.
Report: {"hour": 10, "minute": 15}
